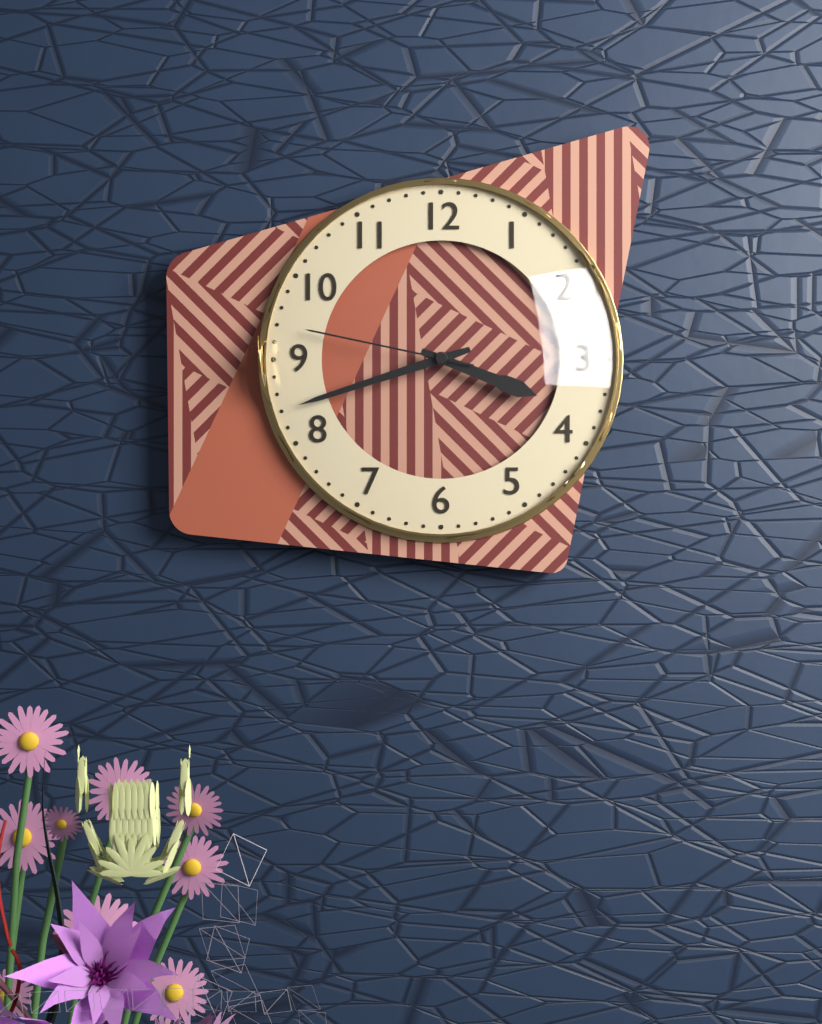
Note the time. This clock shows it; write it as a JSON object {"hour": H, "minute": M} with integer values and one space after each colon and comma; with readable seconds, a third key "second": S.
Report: {"hour": 3, "minute": 42, "second": 47}
